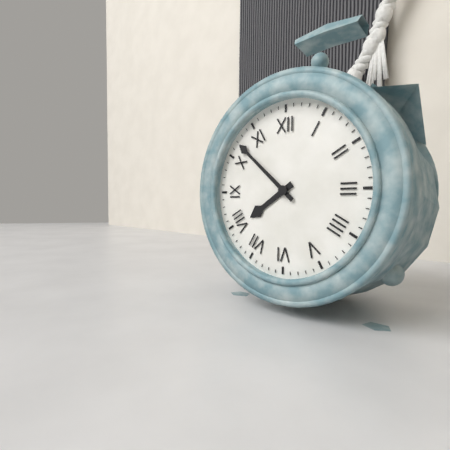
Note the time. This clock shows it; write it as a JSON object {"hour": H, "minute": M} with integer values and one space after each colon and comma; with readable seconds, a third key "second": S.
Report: {"hour": 7, "minute": 52}
